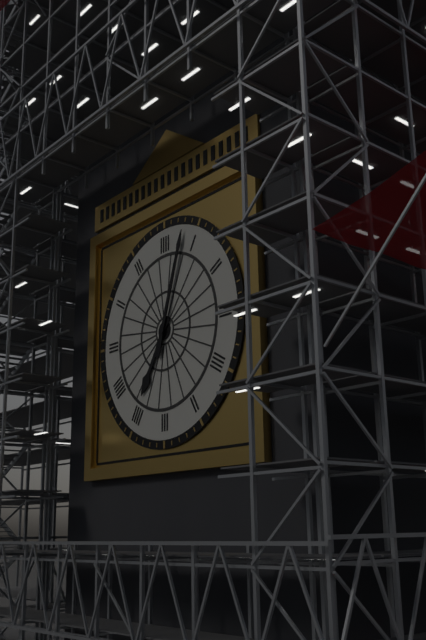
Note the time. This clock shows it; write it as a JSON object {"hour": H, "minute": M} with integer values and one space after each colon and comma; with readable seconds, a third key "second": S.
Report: {"hour": 7, "minute": 3}
